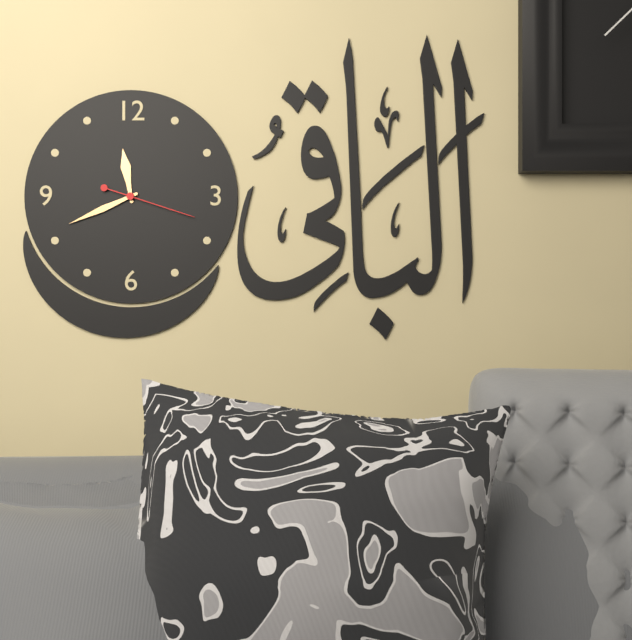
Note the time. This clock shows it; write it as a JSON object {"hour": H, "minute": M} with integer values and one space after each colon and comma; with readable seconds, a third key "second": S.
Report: {"hour": 11, "minute": 41, "second": 18}
